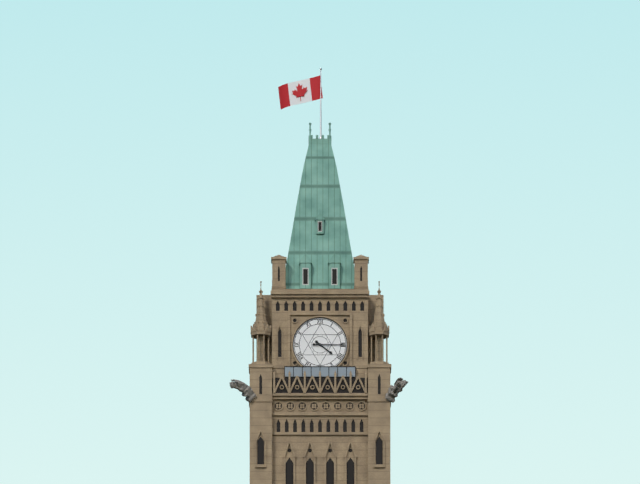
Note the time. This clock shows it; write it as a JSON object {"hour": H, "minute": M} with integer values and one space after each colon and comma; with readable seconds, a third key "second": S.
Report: {"hour": 4, "minute": 15}
